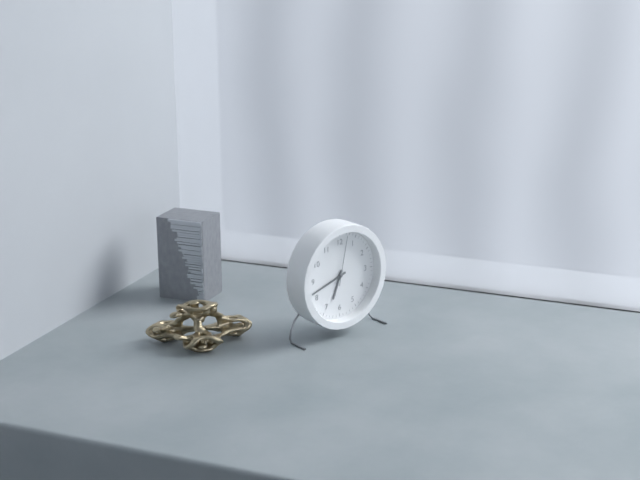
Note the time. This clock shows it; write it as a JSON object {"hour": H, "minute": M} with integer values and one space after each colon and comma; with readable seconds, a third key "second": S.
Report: {"hour": 6, "minute": 42, "second": 2}
